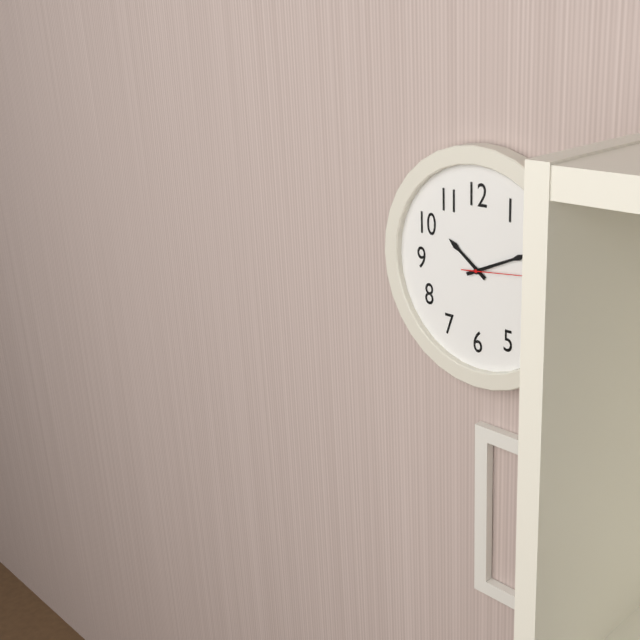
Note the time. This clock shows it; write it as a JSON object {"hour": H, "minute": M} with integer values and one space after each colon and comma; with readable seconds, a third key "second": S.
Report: {"hour": 10, "minute": 11, "second": 14}
